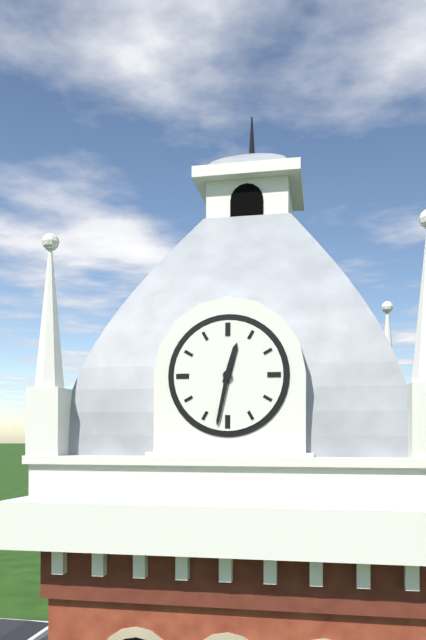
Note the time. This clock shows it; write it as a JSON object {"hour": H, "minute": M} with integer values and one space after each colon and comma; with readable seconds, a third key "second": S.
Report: {"hour": 12, "minute": 32}
